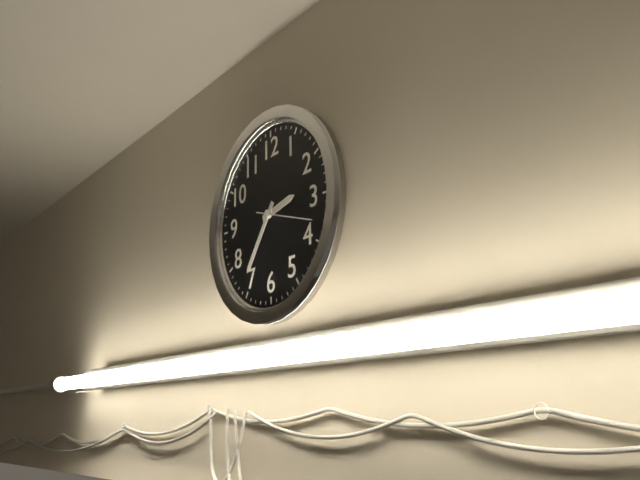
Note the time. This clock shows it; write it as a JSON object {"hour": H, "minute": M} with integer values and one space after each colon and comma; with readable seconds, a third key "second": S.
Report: {"hour": 2, "minute": 36, "second": 18}
